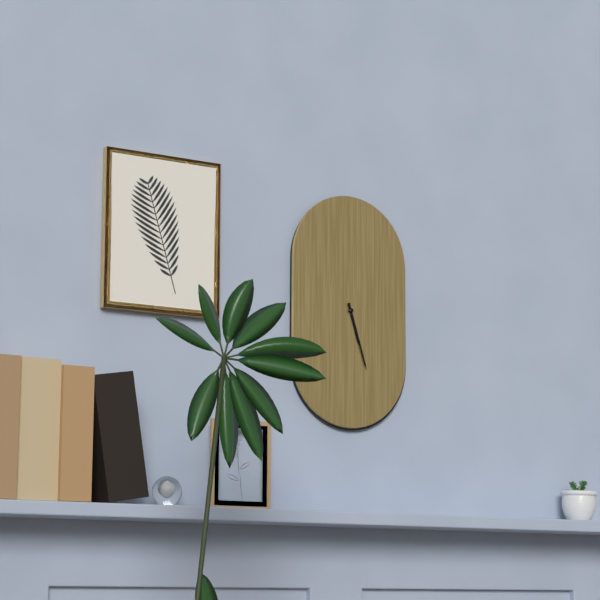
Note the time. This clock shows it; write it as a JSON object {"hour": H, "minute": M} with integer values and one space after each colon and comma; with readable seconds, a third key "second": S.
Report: {"hour": 5, "minute": 27}
